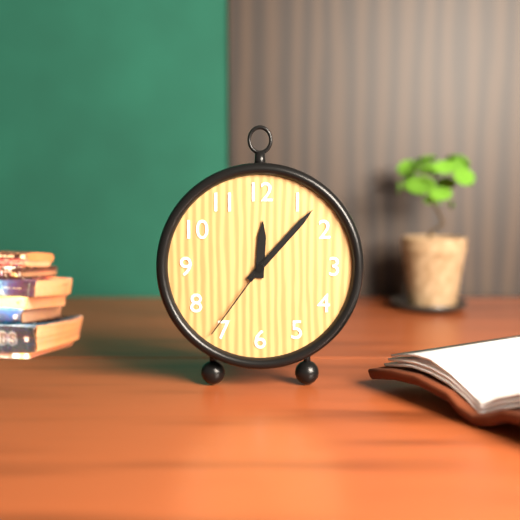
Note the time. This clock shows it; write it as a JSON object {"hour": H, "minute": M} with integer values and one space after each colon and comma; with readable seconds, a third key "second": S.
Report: {"hour": 12, "minute": 7, "second": 36}
